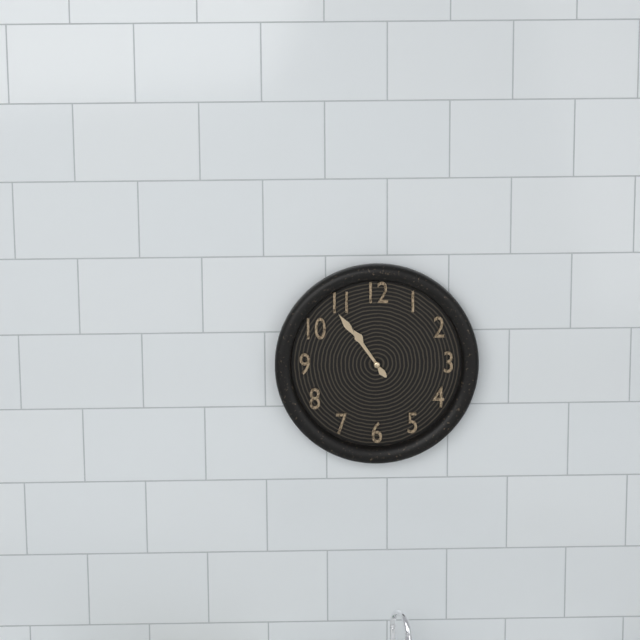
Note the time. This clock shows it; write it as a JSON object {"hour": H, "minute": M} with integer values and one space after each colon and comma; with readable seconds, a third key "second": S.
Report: {"hour": 10, "minute": 54}
